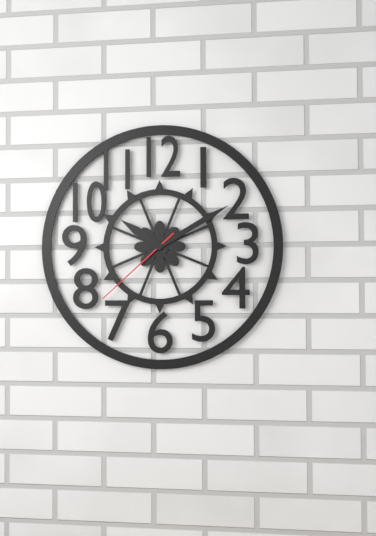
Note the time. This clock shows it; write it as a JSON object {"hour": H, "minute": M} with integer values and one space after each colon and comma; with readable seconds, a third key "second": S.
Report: {"hour": 10, "minute": 10, "second": 38}
